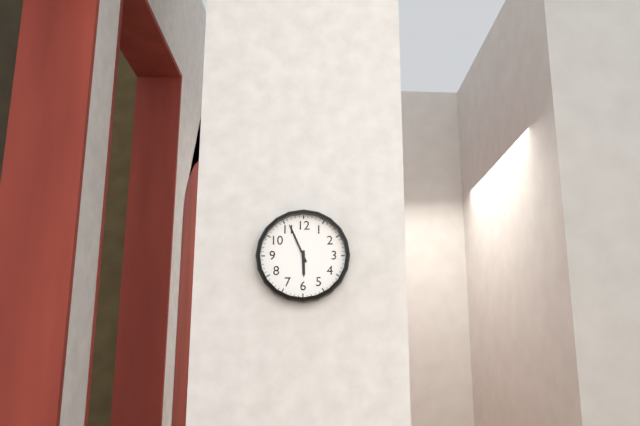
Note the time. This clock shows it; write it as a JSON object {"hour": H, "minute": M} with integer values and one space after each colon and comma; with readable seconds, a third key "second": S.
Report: {"hour": 5, "minute": 56}
